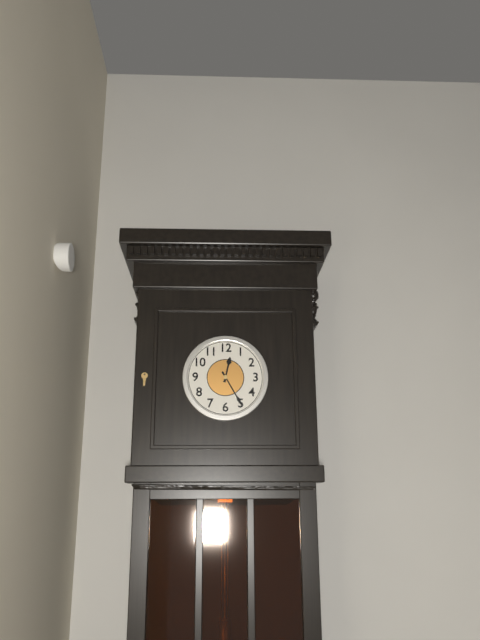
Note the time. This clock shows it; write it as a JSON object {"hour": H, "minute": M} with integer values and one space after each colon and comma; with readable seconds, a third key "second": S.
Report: {"hour": 12, "minute": 25}
